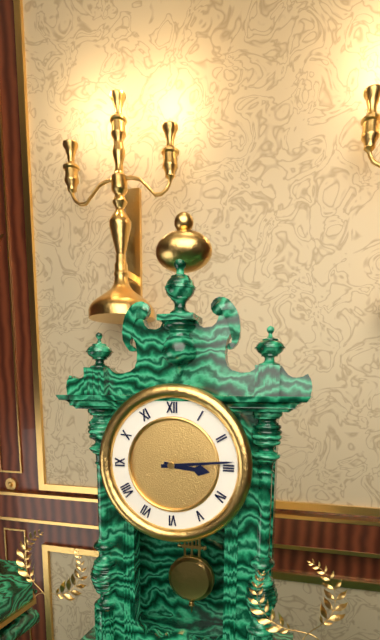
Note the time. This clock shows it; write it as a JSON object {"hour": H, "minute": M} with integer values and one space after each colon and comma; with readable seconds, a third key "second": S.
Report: {"hour": 3, "minute": 14}
